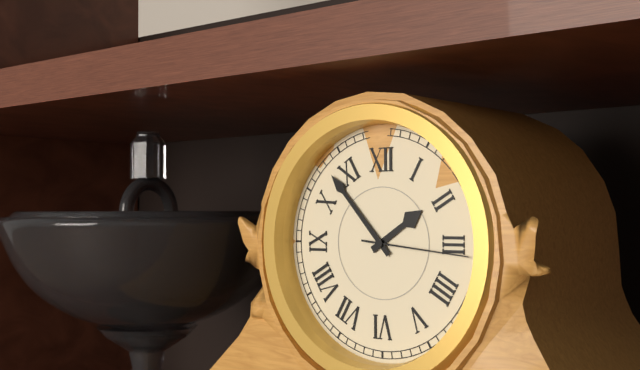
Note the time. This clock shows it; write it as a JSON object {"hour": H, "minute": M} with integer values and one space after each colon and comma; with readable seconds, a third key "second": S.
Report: {"hour": 1, "minute": 53, "second": 16}
